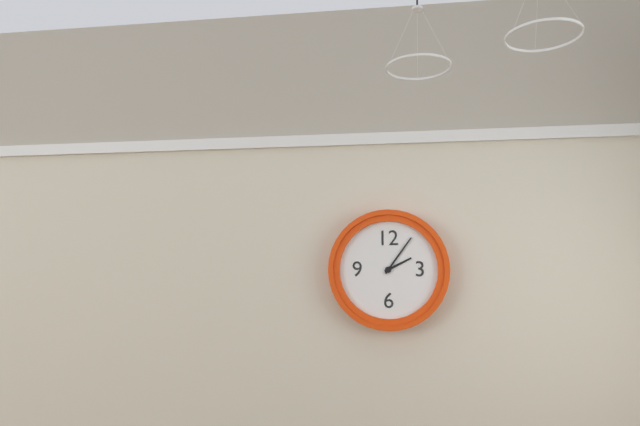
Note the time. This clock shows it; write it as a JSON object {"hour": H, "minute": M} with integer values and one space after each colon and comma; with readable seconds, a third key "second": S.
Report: {"hour": 2, "minute": 6}
